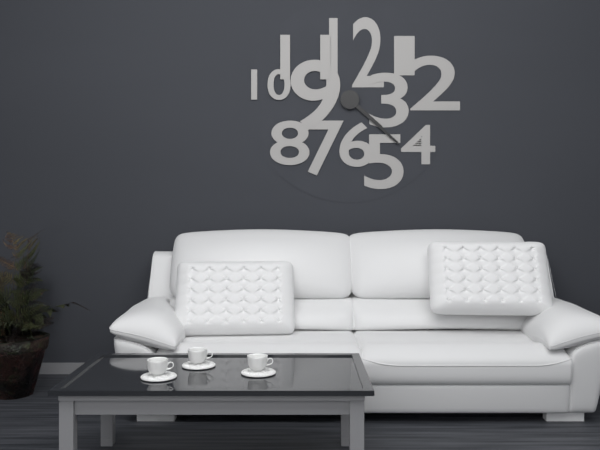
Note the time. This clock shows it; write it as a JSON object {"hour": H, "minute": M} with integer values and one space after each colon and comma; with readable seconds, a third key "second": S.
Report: {"hour": 4, "minute": 22}
